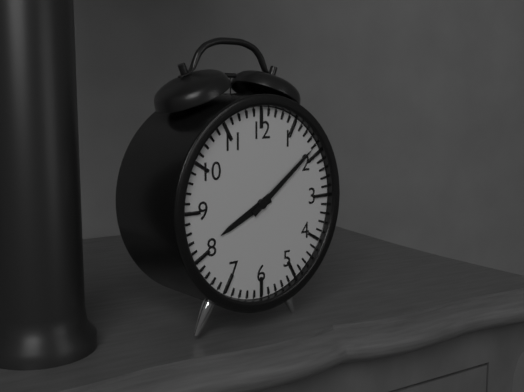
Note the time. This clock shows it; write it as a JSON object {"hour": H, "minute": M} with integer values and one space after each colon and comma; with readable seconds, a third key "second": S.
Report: {"hour": 8, "minute": 9}
